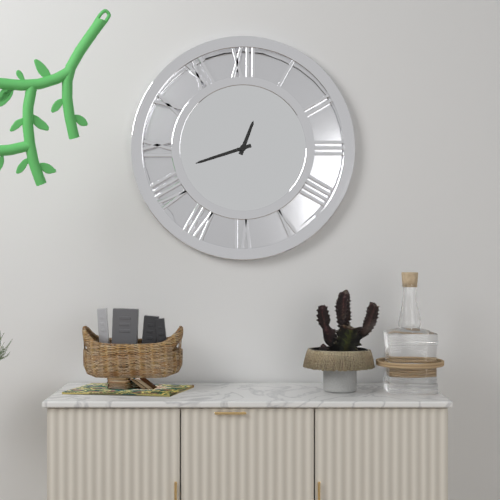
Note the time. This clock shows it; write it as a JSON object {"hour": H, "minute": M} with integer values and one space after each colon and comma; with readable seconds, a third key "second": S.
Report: {"hour": 12, "minute": 42}
